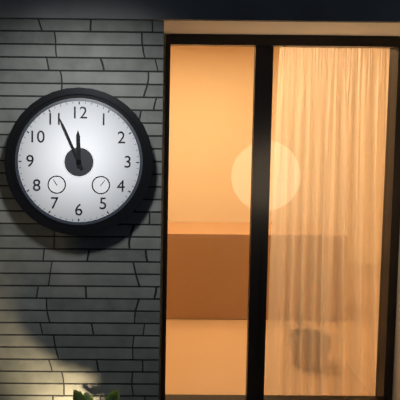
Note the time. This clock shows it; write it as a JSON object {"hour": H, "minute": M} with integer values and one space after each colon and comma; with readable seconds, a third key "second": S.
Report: {"hour": 11, "minute": 56}
